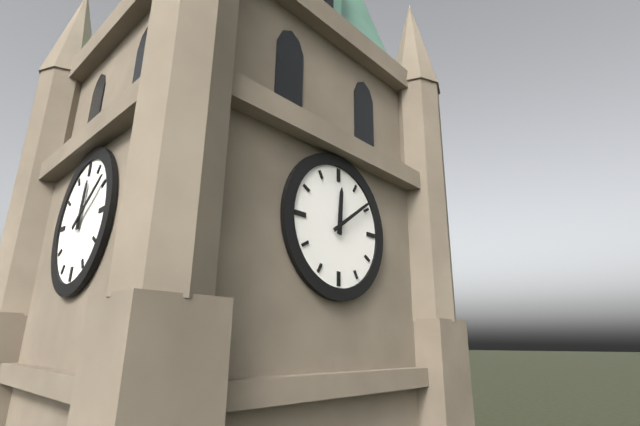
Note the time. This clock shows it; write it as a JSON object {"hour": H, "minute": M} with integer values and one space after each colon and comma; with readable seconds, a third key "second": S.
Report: {"hour": 12, "minute": 9}
